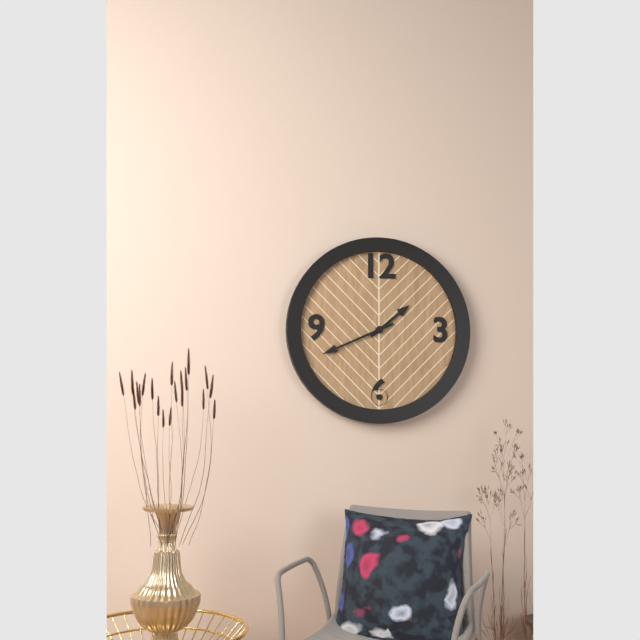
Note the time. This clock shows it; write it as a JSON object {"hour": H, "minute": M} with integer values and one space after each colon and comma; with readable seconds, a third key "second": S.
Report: {"hour": 1, "minute": 41}
